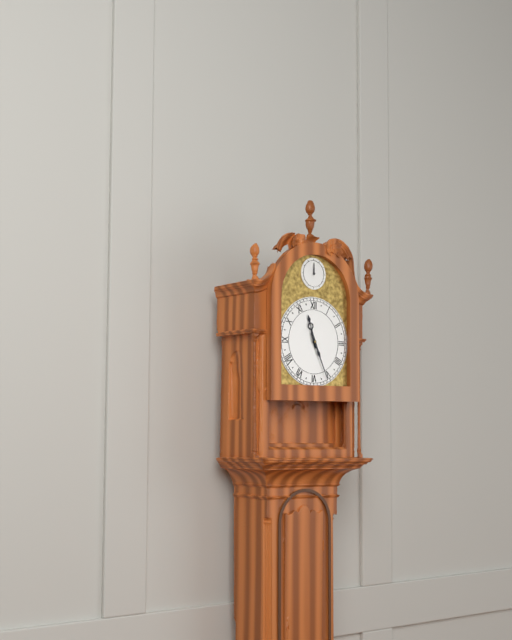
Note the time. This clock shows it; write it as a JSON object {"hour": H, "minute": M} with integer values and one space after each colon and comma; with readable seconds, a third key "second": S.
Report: {"hour": 11, "minute": 26}
